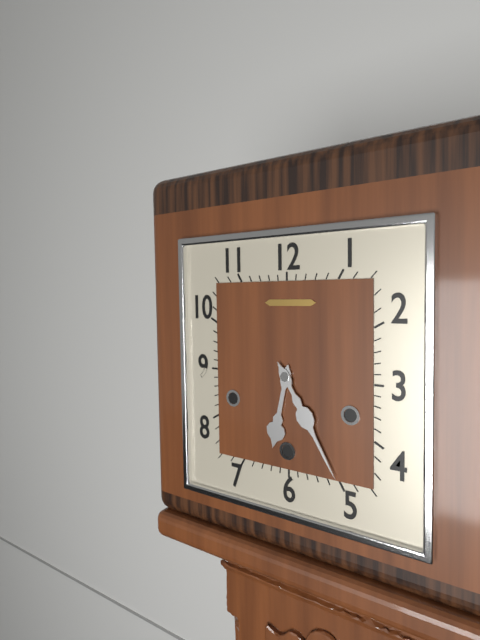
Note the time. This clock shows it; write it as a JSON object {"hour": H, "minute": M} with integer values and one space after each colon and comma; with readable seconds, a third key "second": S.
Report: {"hour": 6, "minute": 25}
